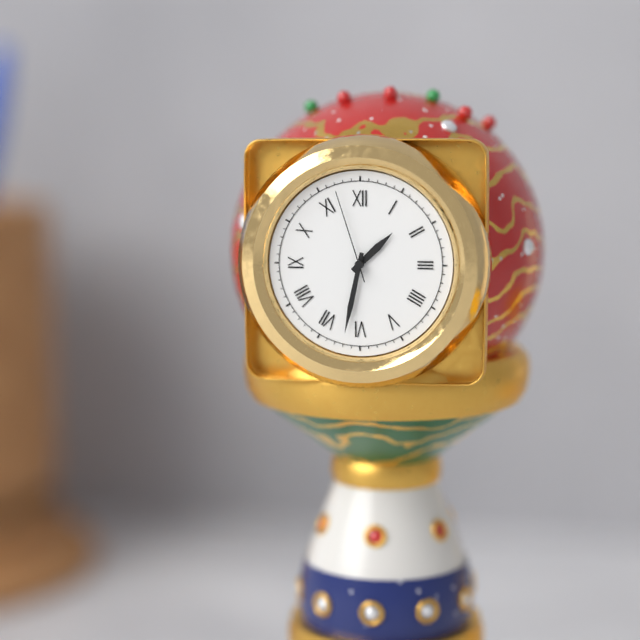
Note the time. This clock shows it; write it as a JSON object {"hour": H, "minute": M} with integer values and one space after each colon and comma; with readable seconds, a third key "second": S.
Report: {"hour": 1, "minute": 32, "second": 57}
